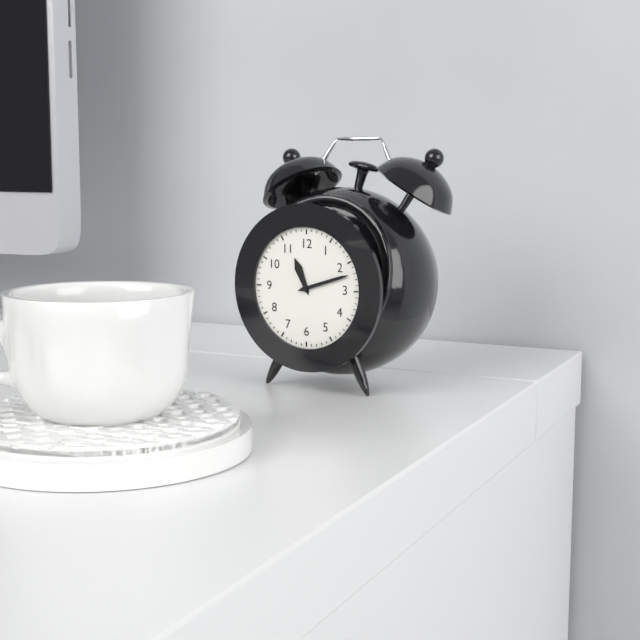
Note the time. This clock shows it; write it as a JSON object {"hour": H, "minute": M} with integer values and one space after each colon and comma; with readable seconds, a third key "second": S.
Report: {"hour": 11, "minute": 12}
